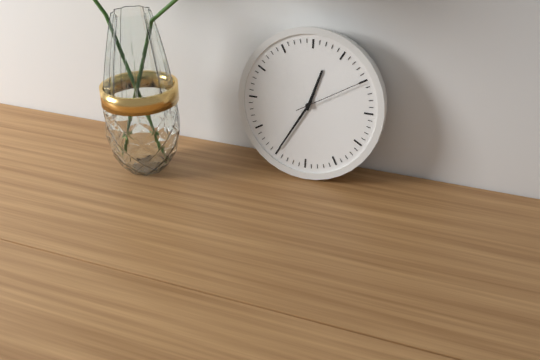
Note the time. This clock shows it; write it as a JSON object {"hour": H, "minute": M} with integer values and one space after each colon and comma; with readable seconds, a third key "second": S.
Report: {"hour": 12, "minute": 35, "second": 10}
